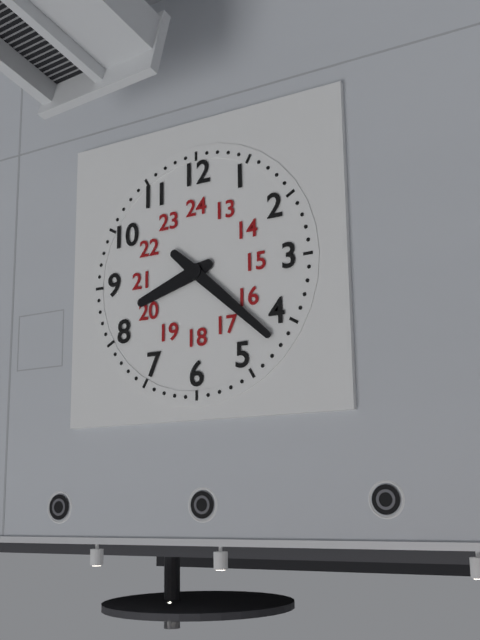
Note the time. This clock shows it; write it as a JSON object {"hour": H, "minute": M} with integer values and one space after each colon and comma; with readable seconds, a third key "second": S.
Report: {"hour": 8, "minute": 22}
